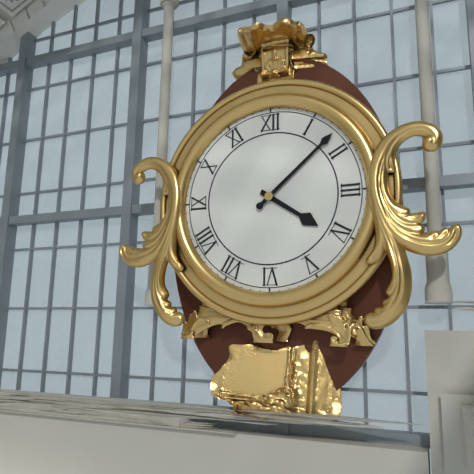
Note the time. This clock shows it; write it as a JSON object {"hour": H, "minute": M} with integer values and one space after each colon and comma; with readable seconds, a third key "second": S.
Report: {"hour": 4, "minute": 8}
